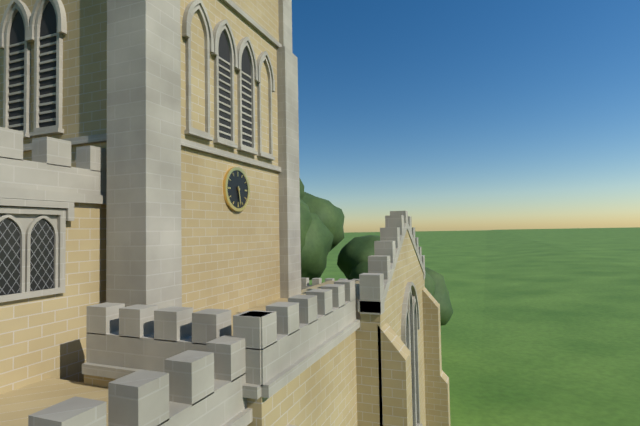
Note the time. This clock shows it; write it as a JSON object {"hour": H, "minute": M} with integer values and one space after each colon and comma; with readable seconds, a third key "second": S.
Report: {"hour": 5, "minute": 28}
